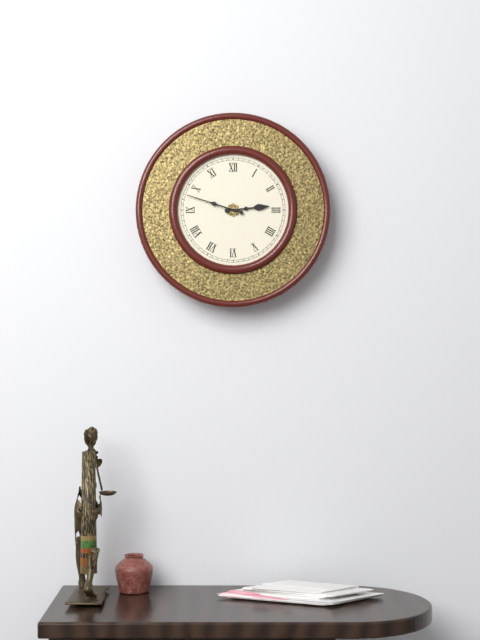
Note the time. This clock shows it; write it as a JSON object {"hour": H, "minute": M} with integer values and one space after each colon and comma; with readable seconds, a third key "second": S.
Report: {"hour": 2, "minute": 48}
